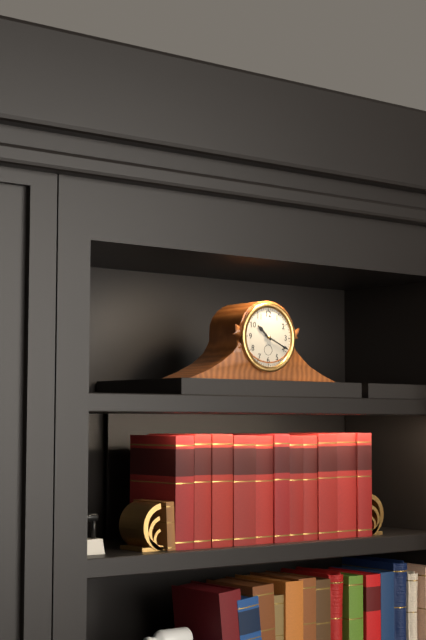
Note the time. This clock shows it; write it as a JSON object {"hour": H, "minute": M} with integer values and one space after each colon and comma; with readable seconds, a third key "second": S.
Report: {"hour": 10, "minute": 19}
